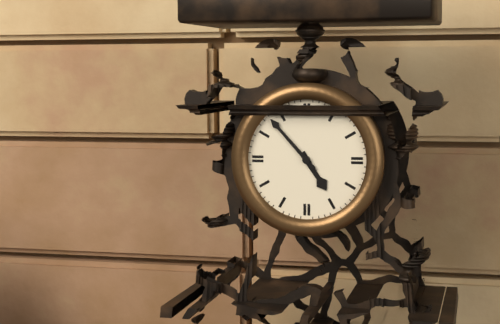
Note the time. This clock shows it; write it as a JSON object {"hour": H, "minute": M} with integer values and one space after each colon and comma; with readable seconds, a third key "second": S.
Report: {"hour": 4, "minute": 53}
